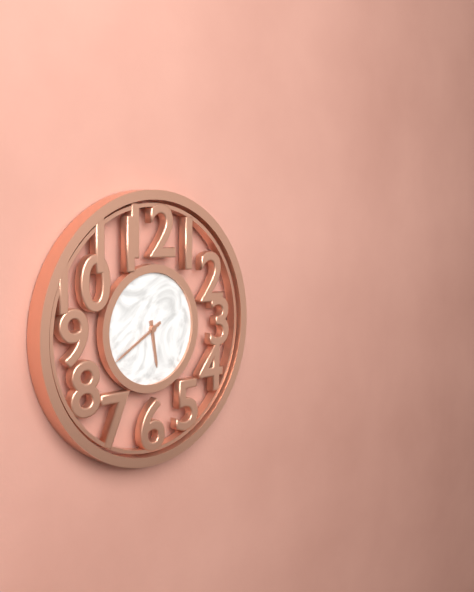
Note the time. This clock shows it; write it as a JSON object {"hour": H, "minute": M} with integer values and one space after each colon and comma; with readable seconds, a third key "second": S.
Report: {"hour": 5, "minute": 40}
